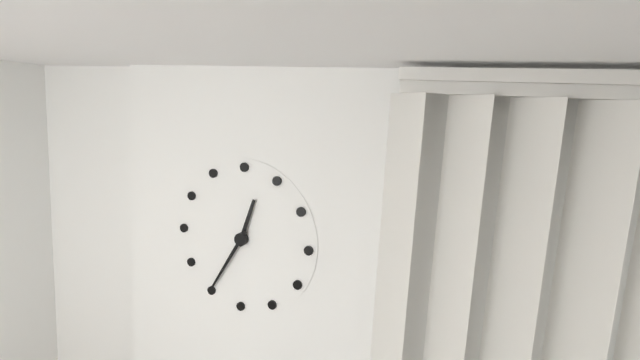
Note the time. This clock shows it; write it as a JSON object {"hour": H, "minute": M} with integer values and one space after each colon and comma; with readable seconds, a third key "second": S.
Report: {"hour": 12, "minute": 35}
